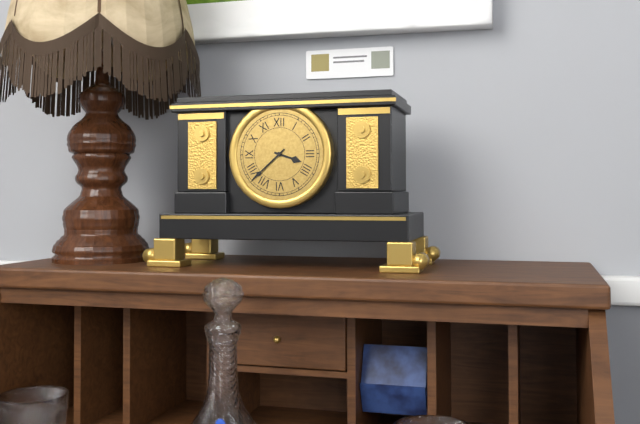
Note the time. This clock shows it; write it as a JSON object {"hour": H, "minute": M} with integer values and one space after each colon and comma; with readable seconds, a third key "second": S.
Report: {"hour": 3, "minute": 38}
